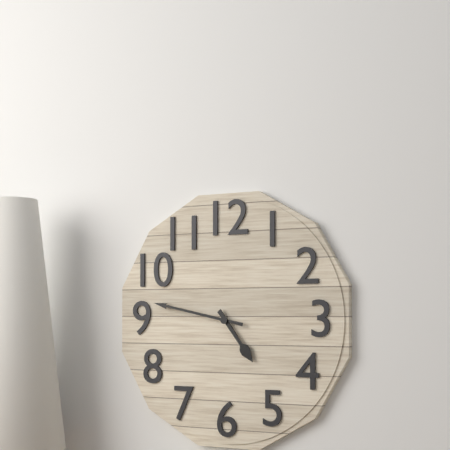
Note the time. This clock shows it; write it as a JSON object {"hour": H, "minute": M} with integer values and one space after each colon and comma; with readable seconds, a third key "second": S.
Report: {"hour": 4, "minute": 47}
